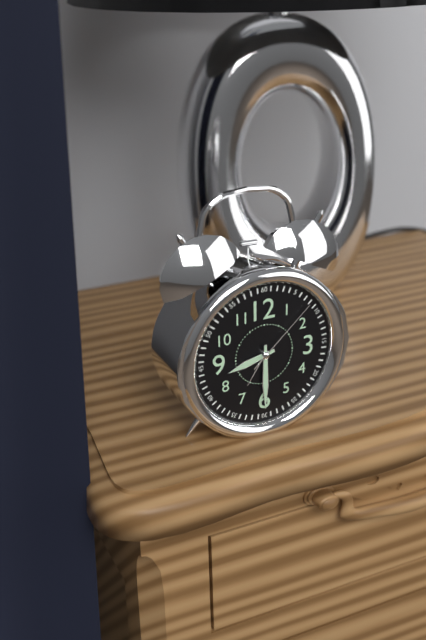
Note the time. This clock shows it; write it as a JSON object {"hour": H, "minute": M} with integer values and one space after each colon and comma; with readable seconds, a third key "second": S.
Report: {"hour": 8, "minute": 30, "second": 8}
